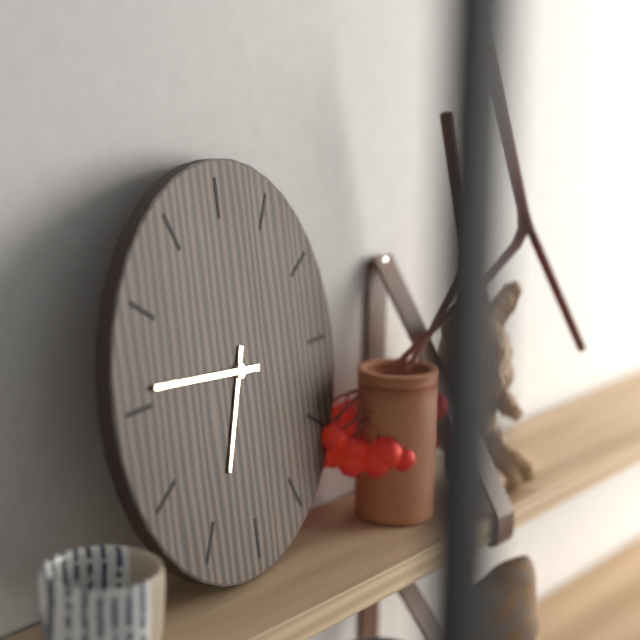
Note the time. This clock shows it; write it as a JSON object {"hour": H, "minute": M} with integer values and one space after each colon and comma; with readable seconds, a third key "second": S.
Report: {"hour": 6, "minute": 46}
